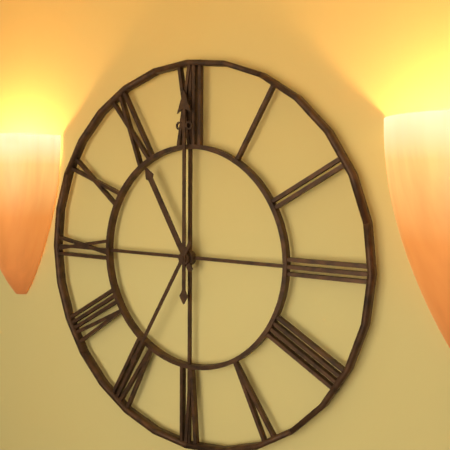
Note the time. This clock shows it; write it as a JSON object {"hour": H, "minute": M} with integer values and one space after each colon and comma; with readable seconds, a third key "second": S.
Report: {"hour": 11, "minute": 0, "second": 35}
